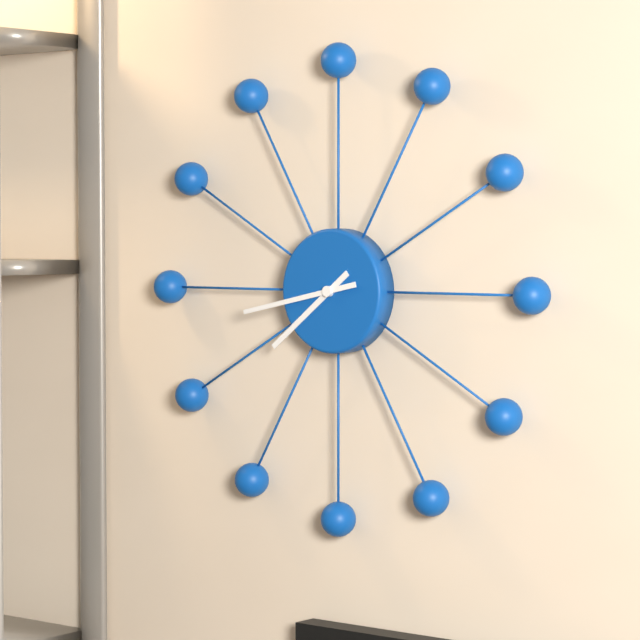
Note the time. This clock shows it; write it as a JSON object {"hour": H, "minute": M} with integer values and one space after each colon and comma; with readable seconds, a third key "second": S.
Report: {"hour": 7, "minute": 43}
